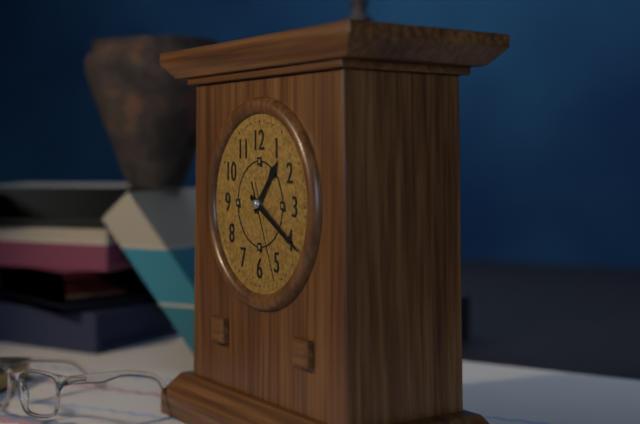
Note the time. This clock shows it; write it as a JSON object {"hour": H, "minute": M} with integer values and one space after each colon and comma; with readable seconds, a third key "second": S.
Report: {"hour": 1, "minute": 20, "second": 26}
